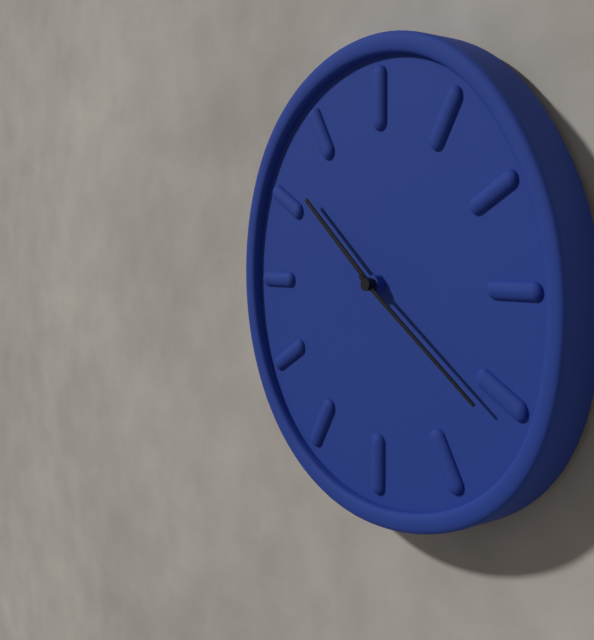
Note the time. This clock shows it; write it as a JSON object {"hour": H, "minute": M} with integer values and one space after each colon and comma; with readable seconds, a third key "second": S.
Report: {"hour": 10, "minute": 21}
